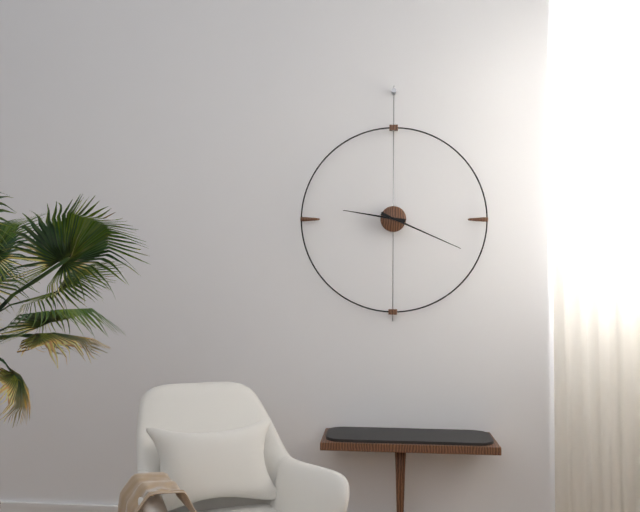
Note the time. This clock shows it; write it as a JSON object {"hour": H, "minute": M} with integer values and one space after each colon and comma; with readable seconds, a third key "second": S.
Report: {"hour": 9, "minute": 19}
